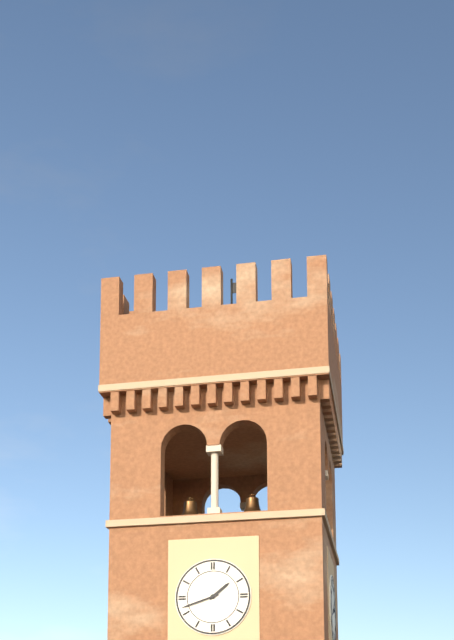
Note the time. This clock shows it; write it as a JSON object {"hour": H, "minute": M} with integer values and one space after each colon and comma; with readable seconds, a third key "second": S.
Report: {"hour": 1, "minute": 42}
